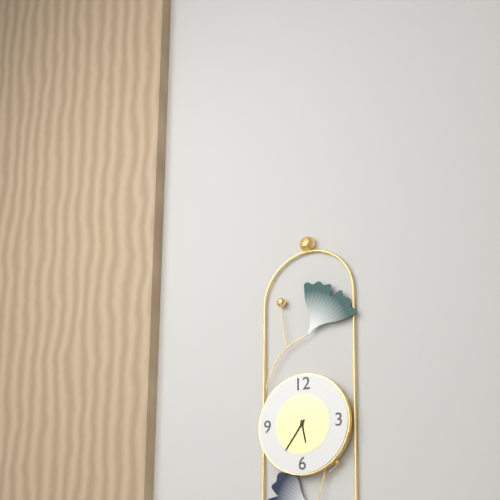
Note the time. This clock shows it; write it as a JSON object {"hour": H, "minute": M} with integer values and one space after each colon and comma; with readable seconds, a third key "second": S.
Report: {"hour": 5, "minute": 36}
